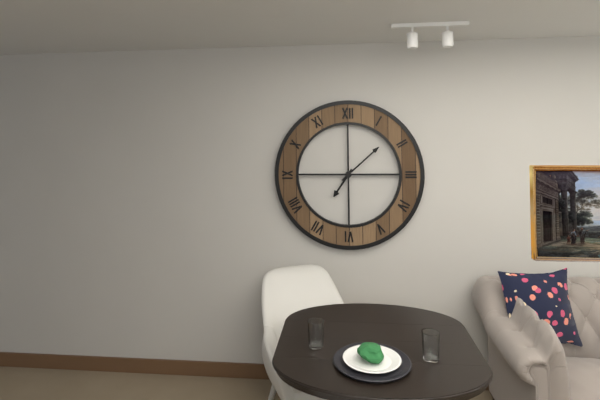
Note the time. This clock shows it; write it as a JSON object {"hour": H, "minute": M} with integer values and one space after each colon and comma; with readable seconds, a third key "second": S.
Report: {"hour": 7, "minute": 8}
